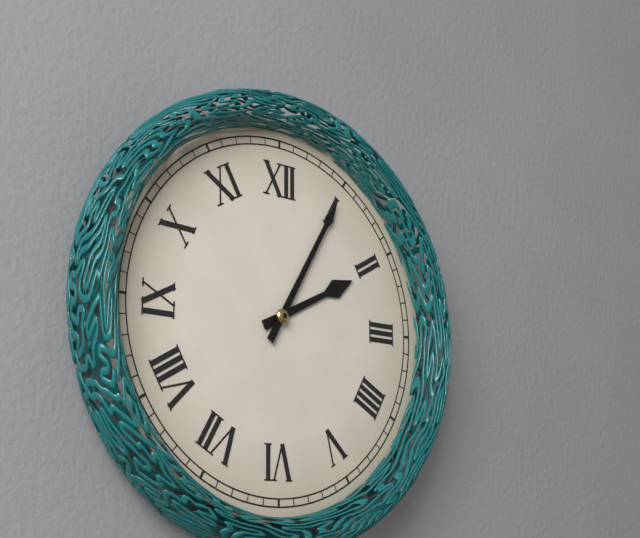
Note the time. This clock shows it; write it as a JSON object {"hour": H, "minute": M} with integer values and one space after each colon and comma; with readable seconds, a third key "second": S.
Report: {"hour": 2, "minute": 5}
